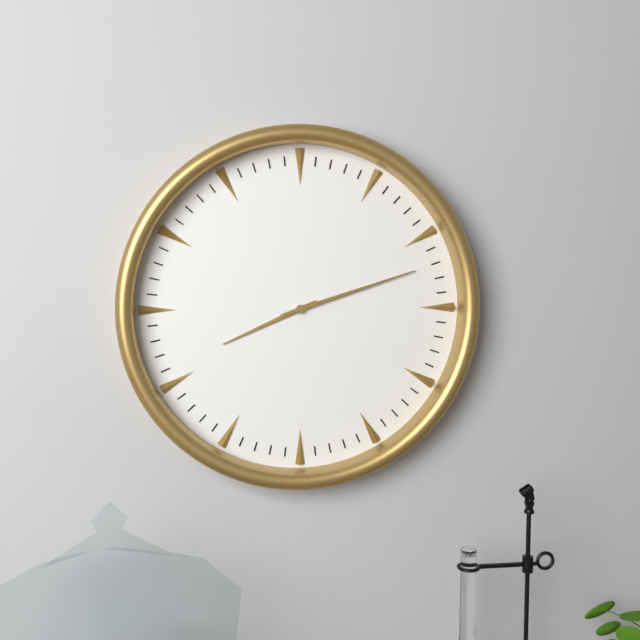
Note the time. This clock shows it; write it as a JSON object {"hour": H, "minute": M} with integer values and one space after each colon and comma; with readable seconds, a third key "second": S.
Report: {"hour": 8, "minute": 12}
